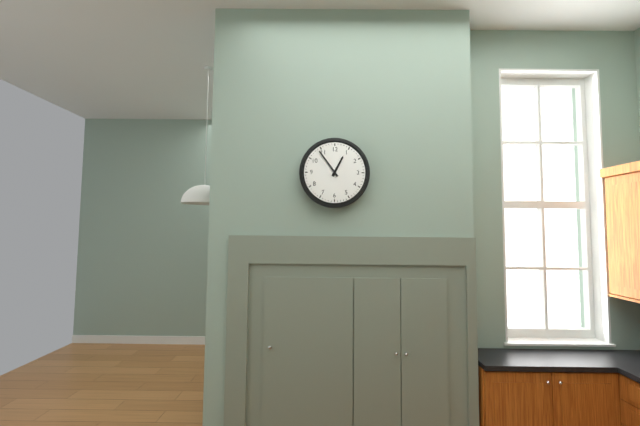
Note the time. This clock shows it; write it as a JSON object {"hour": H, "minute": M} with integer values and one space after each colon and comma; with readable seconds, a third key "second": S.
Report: {"hour": 12, "minute": 54}
